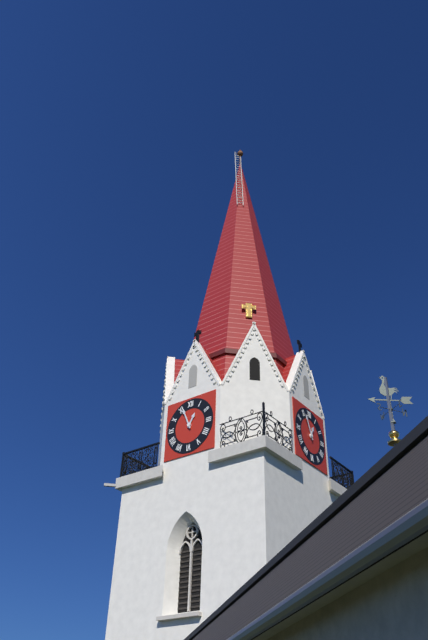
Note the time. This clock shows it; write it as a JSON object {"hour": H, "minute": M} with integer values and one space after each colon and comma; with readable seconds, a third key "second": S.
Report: {"hour": 12, "minute": 56}
